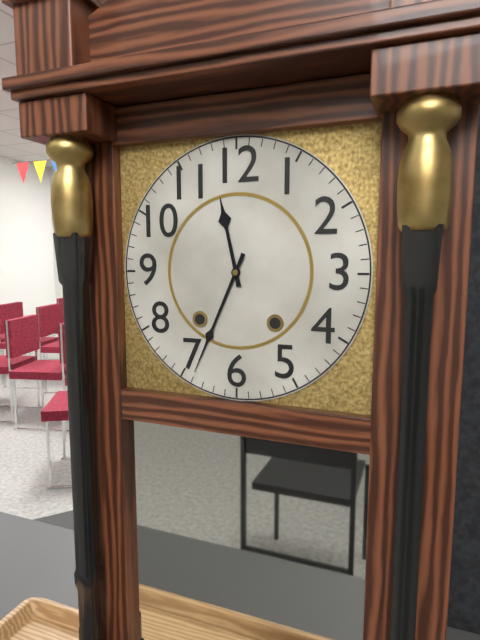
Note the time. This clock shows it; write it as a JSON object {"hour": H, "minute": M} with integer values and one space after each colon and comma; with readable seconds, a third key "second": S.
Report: {"hour": 11, "minute": 34}
